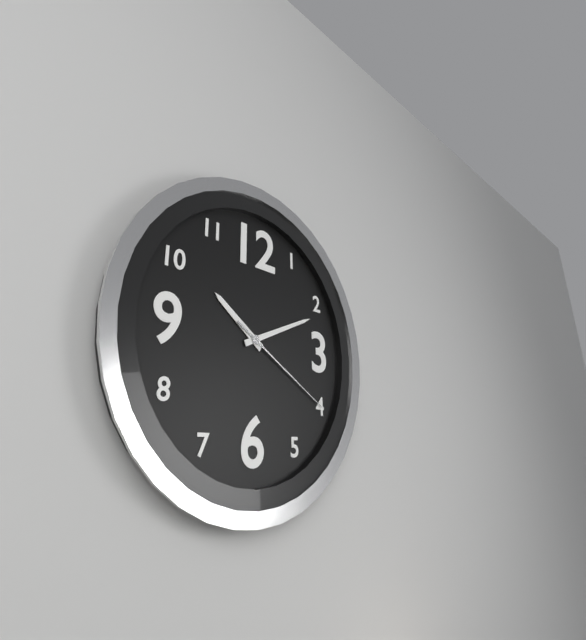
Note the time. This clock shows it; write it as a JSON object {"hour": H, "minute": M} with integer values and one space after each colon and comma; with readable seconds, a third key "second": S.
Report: {"hour": 10, "minute": 11, "second": 20}
